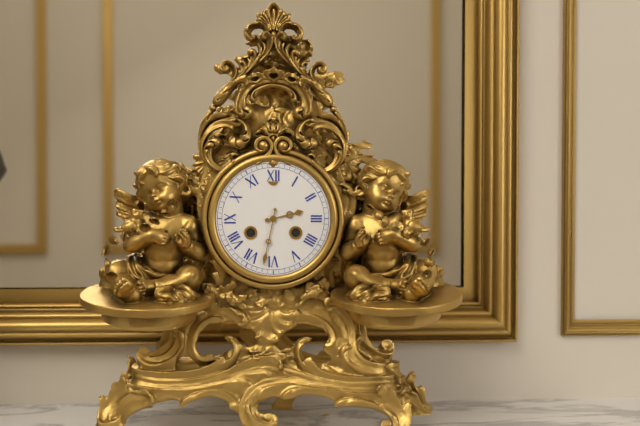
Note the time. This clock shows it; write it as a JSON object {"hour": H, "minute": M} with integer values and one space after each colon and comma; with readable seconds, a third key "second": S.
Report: {"hour": 2, "minute": 32}
